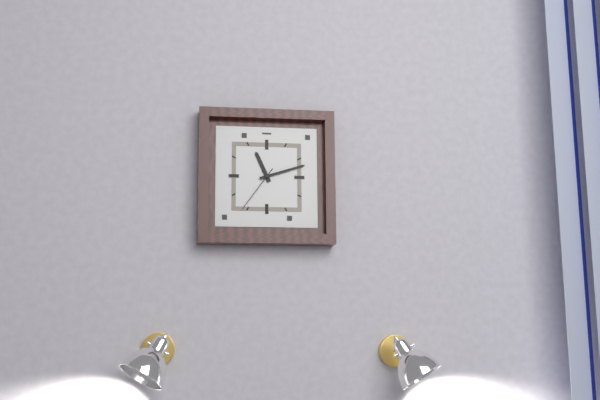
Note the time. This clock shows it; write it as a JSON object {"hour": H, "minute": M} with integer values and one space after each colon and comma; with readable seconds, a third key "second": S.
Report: {"hour": 11, "minute": 12, "second": 36}
